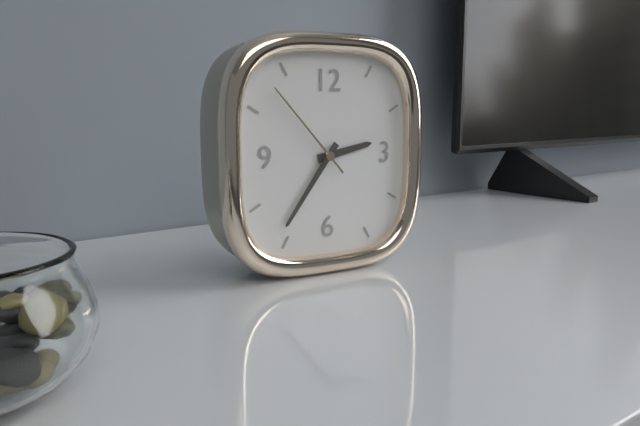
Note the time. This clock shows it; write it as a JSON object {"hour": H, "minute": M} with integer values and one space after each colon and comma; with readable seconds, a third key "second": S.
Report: {"hour": 2, "minute": 36, "second": 53}
